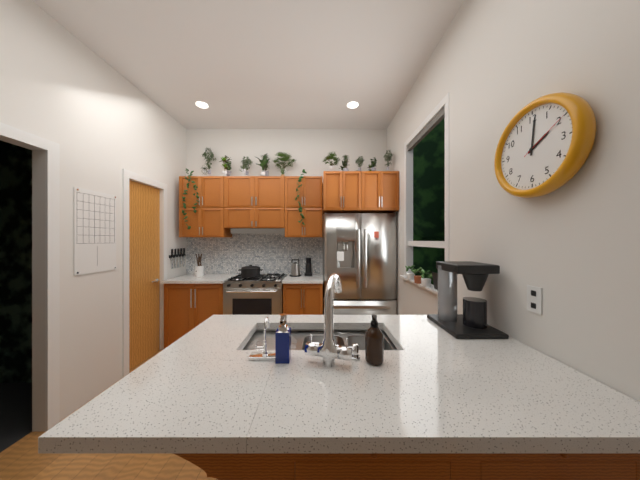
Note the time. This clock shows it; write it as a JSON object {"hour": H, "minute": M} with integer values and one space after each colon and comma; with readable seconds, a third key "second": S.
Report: {"hour": 2, "minute": 1, "second": 10}
